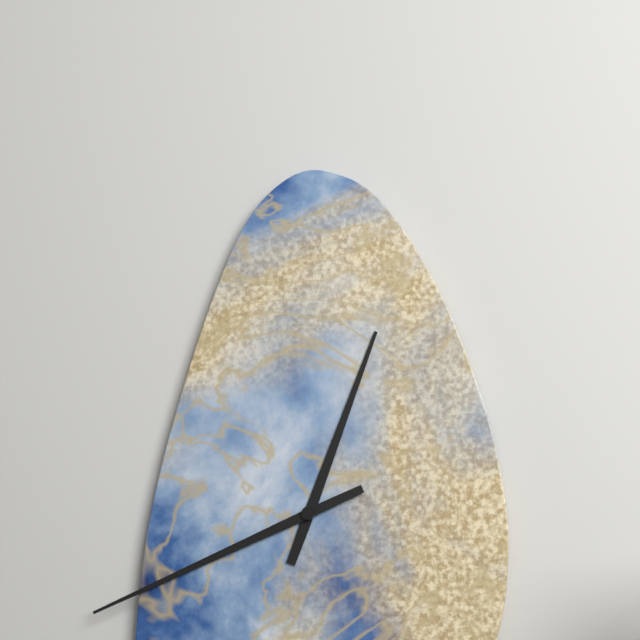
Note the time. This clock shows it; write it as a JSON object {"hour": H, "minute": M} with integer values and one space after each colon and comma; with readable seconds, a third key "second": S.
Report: {"hour": 12, "minute": 41}
